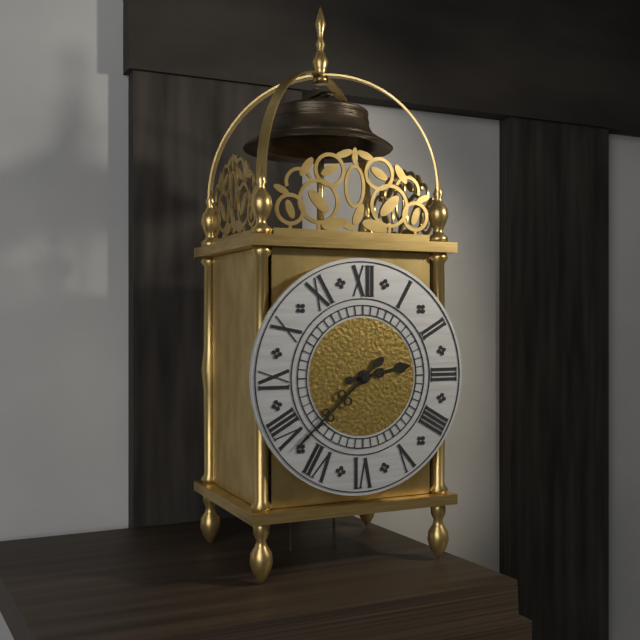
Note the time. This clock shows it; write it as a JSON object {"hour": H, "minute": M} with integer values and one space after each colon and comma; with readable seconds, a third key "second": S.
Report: {"hour": 2, "minute": 38}
